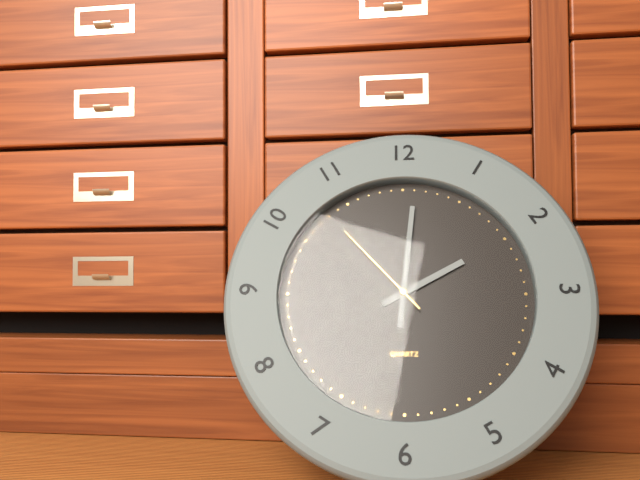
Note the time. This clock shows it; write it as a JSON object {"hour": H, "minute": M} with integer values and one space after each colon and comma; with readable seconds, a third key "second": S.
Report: {"hour": 2, "minute": 1, "second": 53}
